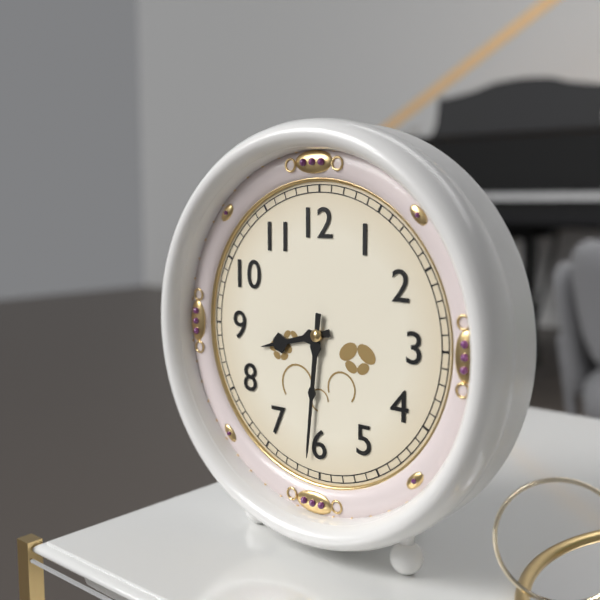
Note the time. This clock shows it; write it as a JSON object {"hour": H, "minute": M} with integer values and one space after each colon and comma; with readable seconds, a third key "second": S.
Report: {"hour": 8, "minute": 31}
